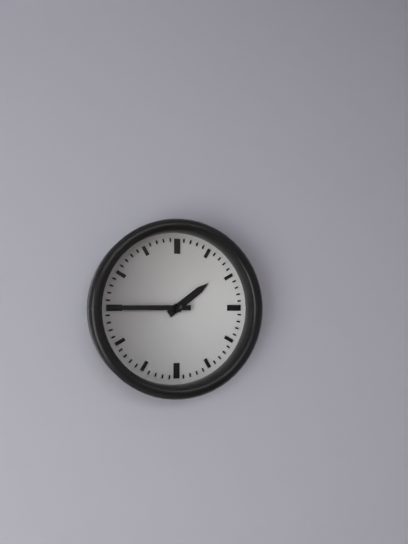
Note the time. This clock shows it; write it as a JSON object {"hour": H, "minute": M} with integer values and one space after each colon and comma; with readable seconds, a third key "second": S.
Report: {"hour": 1, "minute": 45}
